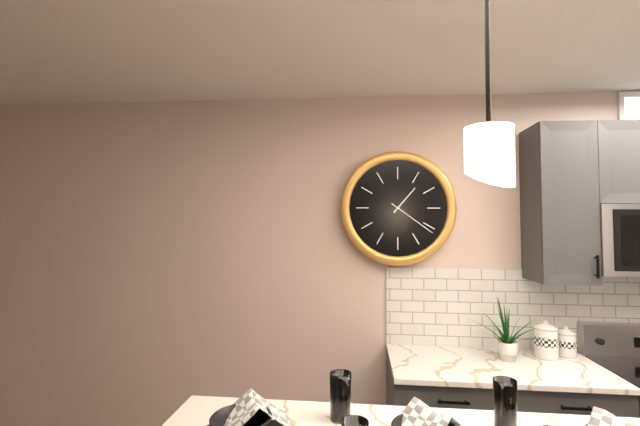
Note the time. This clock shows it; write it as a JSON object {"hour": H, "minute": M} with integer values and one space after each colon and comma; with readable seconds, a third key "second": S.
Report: {"hour": 1, "minute": 21}
